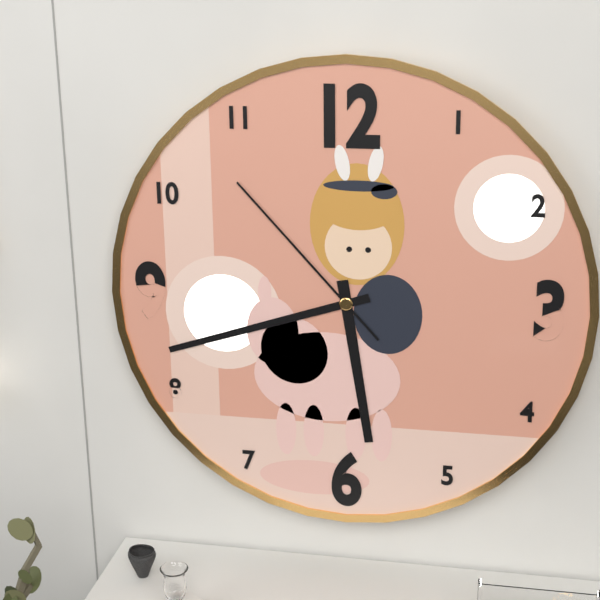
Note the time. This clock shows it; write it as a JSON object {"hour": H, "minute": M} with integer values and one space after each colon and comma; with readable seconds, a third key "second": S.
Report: {"hour": 5, "minute": 42, "second": 53}
